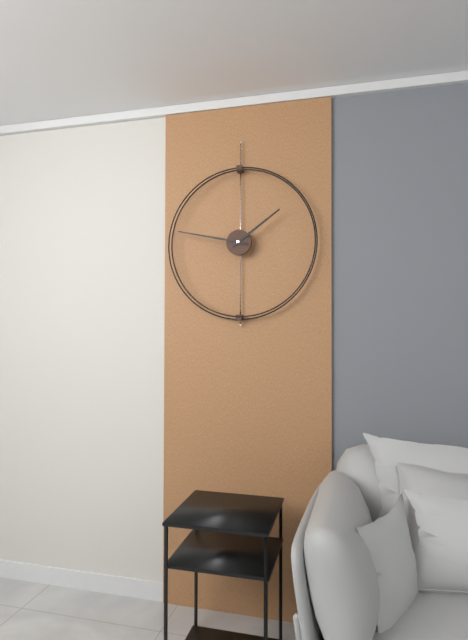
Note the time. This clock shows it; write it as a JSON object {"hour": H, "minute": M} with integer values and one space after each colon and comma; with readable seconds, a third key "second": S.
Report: {"hour": 1, "minute": 47}
